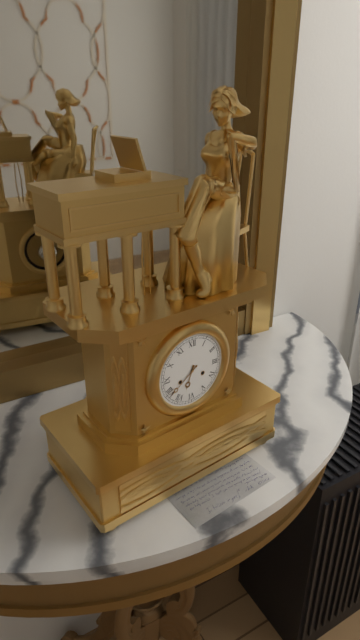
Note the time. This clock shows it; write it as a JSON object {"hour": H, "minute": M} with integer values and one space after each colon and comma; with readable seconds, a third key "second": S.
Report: {"hour": 6, "minute": 39}
